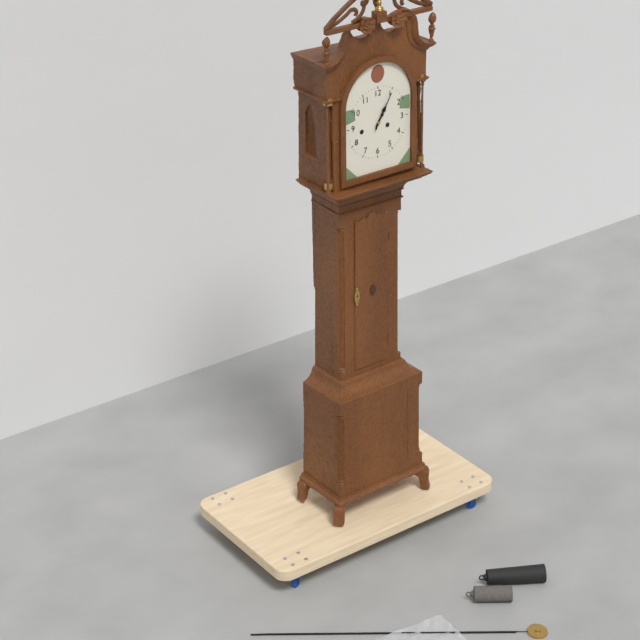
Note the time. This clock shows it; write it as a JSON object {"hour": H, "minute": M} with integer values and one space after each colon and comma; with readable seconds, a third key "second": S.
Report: {"hour": 1, "minute": 5}
